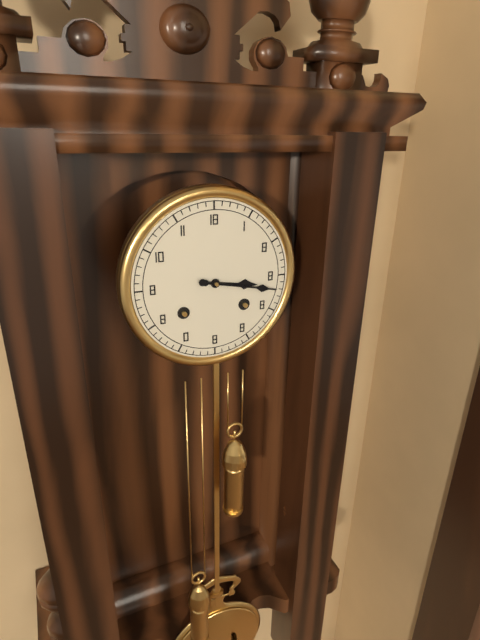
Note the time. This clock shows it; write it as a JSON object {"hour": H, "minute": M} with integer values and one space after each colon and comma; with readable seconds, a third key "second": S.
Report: {"hour": 3, "minute": 17}
